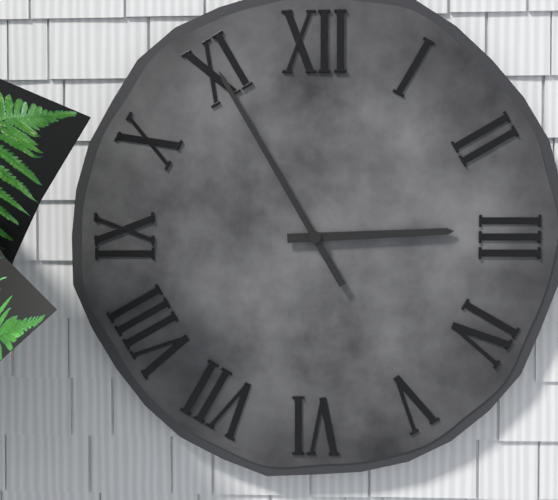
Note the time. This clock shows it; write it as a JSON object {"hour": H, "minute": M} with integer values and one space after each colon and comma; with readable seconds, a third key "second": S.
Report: {"hour": 2, "minute": 55}
